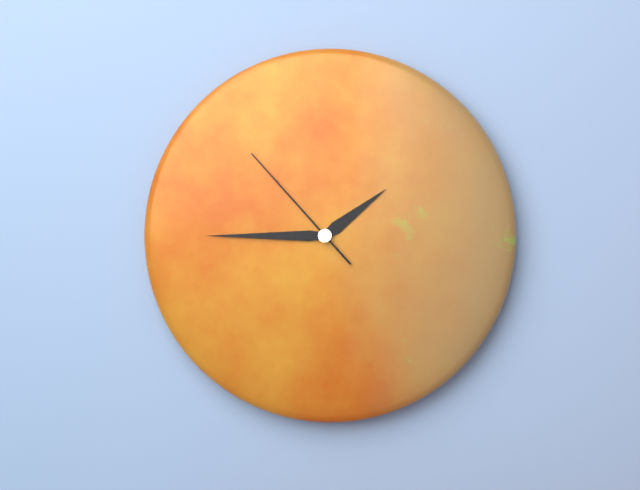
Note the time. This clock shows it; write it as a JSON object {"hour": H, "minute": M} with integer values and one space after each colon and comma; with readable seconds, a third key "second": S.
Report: {"hour": 1, "minute": 45, "second": 53}
